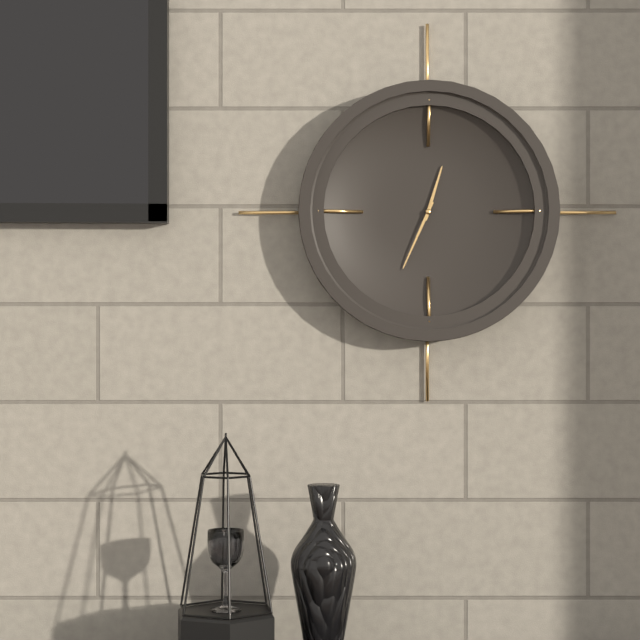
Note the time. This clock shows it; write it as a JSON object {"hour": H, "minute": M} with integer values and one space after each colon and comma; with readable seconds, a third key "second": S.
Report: {"hour": 12, "minute": 34}
